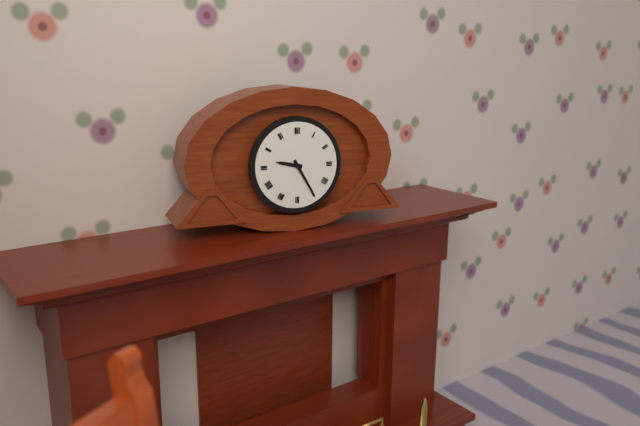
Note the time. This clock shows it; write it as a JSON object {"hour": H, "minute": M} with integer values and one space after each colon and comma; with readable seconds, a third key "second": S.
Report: {"hour": 9, "minute": 25}
